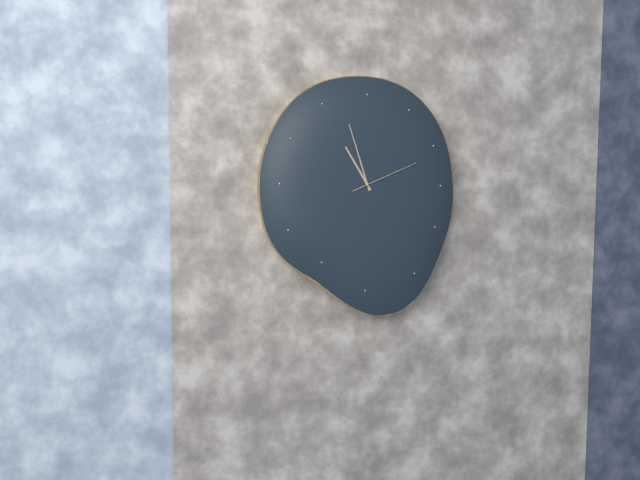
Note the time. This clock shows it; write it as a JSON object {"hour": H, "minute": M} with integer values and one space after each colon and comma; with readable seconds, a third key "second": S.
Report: {"hour": 10, "minute": 57, "second": 11}
